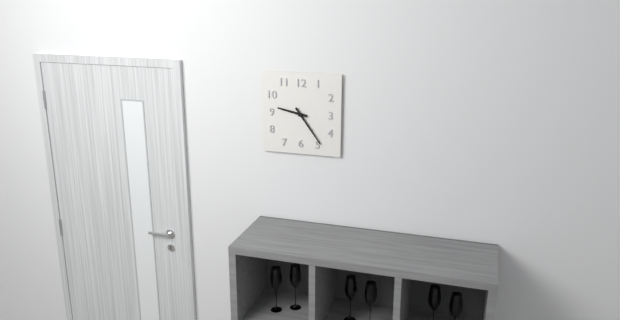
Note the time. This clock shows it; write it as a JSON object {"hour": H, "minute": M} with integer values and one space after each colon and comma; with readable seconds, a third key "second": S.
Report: {"hour": 9, "minute": 24}
